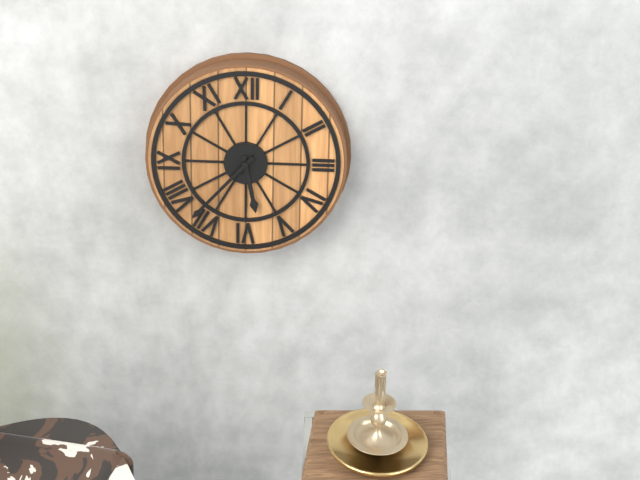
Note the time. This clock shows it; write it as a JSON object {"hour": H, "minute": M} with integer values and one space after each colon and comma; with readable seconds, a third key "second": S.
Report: {"hour": 5, "minute": 37}
